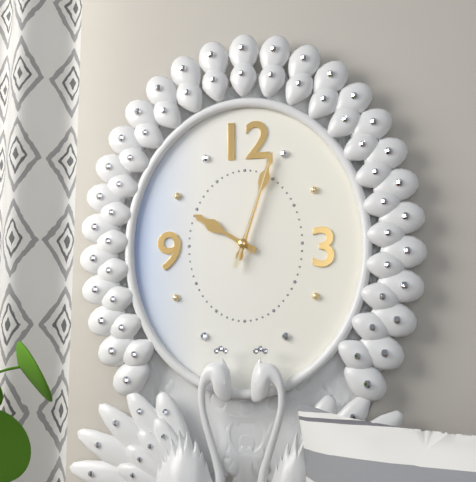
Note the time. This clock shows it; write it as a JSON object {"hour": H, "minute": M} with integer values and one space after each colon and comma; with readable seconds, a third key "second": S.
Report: {"hour": 10, "minute": 3, "second": 3}
